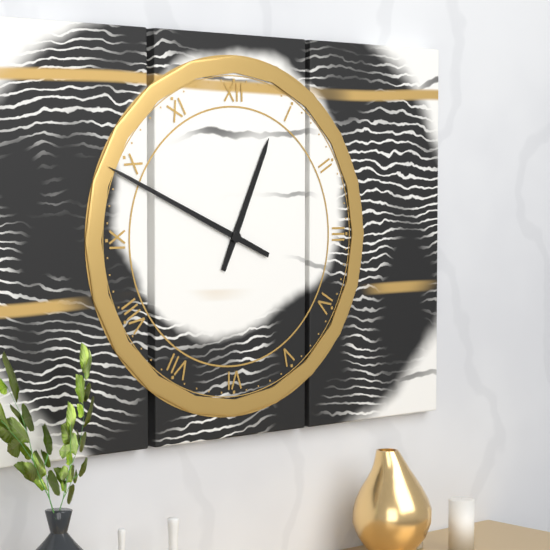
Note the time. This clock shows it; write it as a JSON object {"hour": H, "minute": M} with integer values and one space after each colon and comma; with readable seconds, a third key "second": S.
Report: {"hour": 12, "minute": 49}
